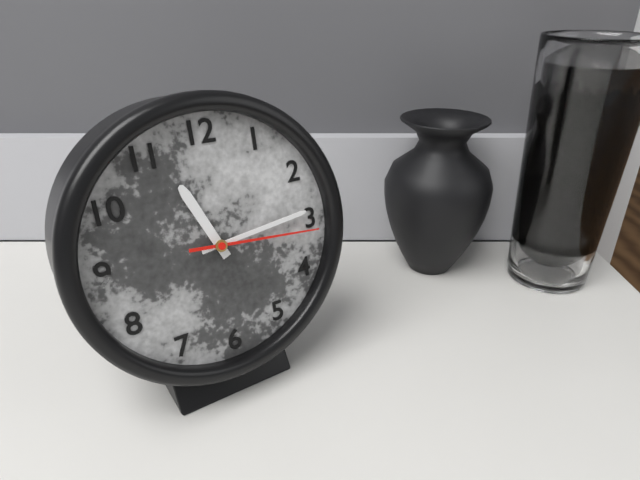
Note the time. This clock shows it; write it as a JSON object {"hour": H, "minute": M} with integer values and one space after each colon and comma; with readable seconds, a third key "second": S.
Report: {"hour": 11, "minute": 14, "second": 16}
